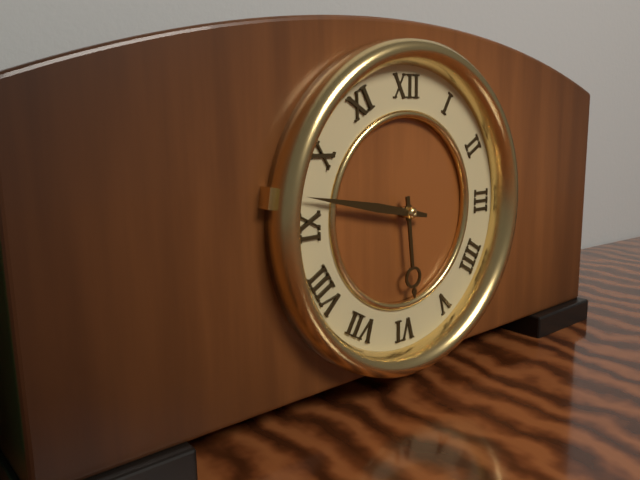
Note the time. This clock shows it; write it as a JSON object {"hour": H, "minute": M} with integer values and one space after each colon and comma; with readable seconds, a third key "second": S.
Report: {"hour": 5, "minute": 47}
